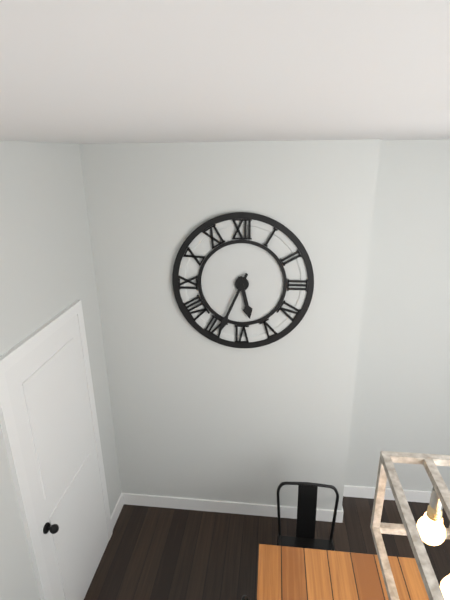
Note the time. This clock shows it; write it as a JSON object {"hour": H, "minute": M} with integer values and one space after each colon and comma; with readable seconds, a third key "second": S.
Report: {"hour": 5, "minute": 34}
